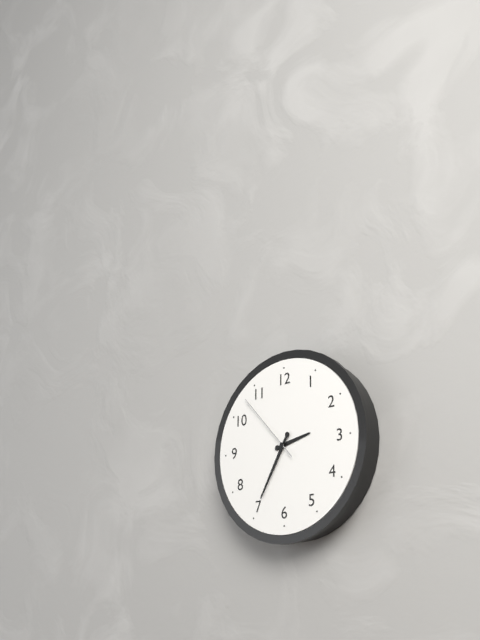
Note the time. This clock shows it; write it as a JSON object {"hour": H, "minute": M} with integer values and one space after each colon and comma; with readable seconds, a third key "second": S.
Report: {"hour": 2, "minute": 35, "second": 53}
